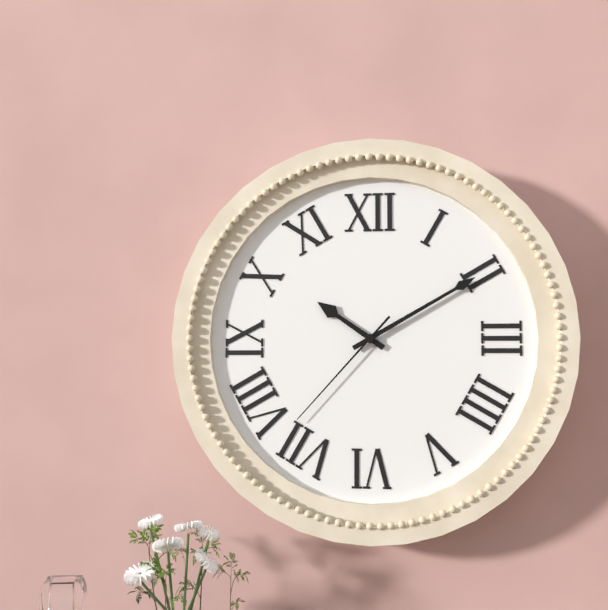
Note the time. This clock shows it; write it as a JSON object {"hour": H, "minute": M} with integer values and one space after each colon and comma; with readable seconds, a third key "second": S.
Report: {"hour": 10, "minute": 10, "second": 37}
